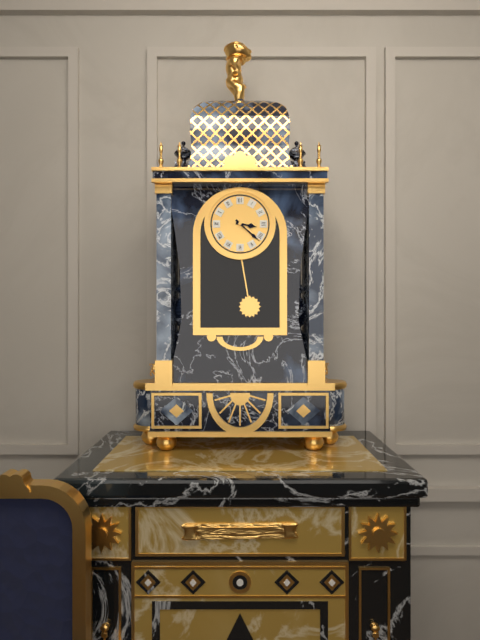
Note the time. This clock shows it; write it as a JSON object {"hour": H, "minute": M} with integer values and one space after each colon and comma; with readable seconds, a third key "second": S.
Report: {"hour": 3, "minute": 22}
